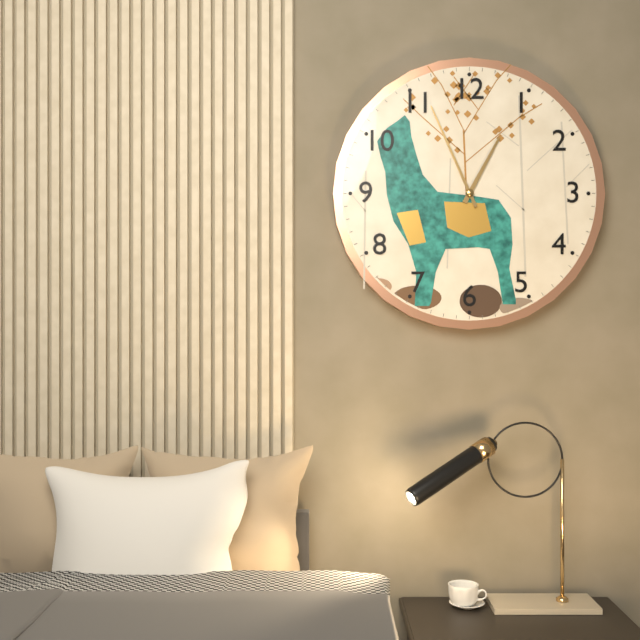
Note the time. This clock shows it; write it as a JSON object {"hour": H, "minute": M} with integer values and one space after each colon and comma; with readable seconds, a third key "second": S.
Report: {"hour": 12, "minute": 56}
